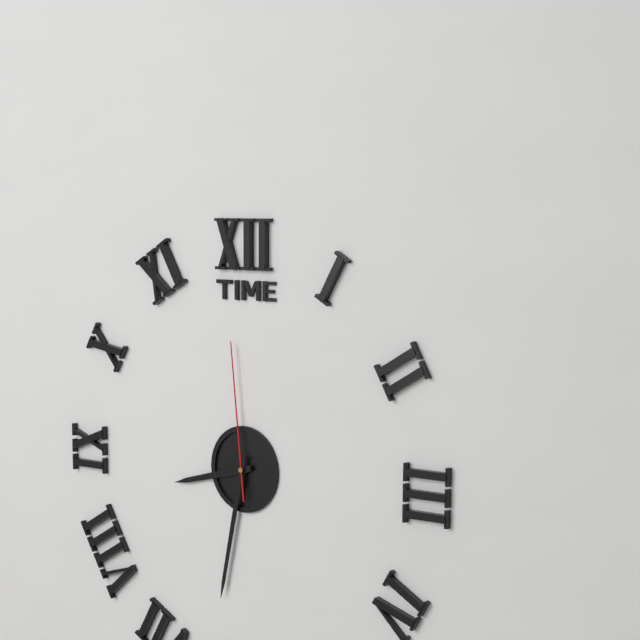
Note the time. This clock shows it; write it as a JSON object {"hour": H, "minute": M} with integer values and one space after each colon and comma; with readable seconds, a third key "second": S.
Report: {"hour": 8, "minute": 32, "second": 59}
